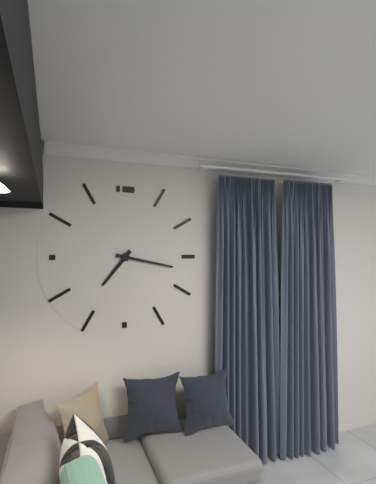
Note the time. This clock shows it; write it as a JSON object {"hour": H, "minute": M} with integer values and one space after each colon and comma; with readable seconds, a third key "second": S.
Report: {"hour": 7, "minute": 17}
